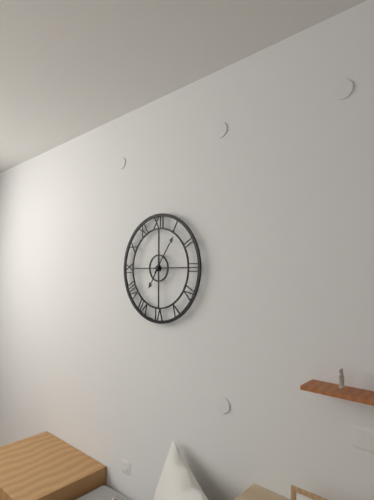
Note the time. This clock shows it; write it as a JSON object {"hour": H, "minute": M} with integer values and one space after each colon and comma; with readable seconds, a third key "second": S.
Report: {"hour": 7, "minute": 6}
